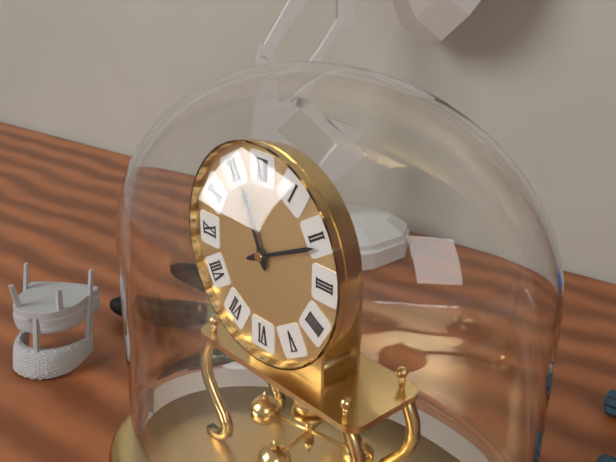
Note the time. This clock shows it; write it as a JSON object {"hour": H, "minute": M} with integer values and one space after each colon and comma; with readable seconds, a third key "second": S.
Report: {"hour": 11, "minute": 11}
